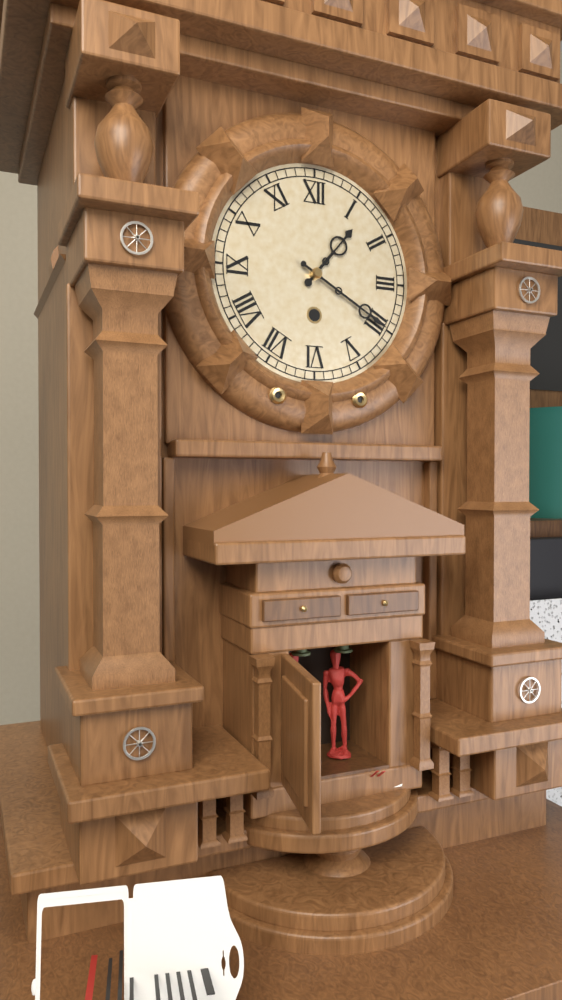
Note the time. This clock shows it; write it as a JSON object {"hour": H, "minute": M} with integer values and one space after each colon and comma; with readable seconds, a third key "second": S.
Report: {"hour": 1, "minute": 20}
